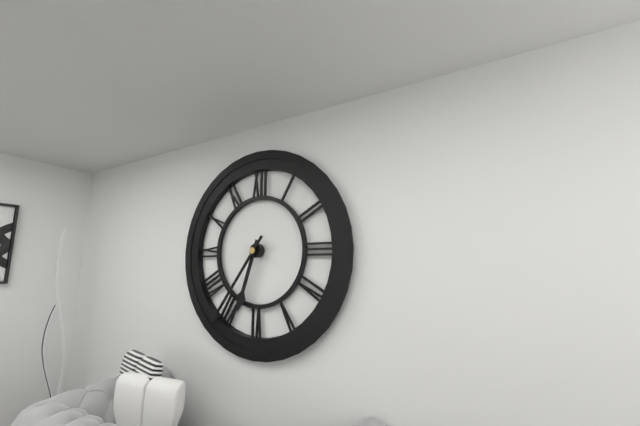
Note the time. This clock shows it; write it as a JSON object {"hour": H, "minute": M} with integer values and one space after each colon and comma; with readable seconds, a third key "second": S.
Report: {"hour": 6, "minute": 36}
